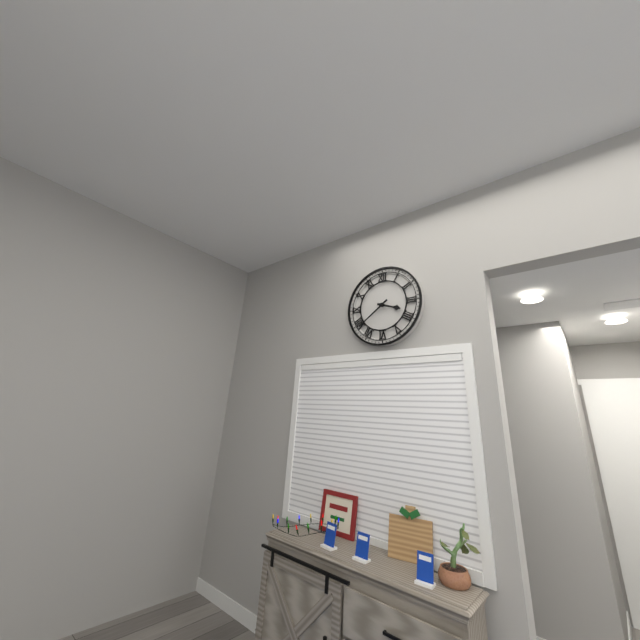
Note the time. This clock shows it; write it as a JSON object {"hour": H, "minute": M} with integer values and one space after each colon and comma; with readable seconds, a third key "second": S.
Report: {"hour": 3, "minute": 39}
